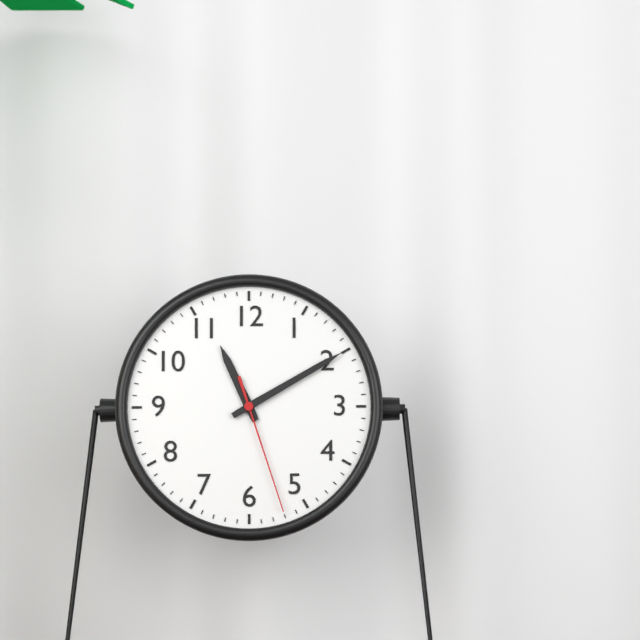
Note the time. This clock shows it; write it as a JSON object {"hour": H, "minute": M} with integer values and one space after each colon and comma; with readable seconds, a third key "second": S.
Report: {"hour": 11, "minute": 10, "second": 27}
